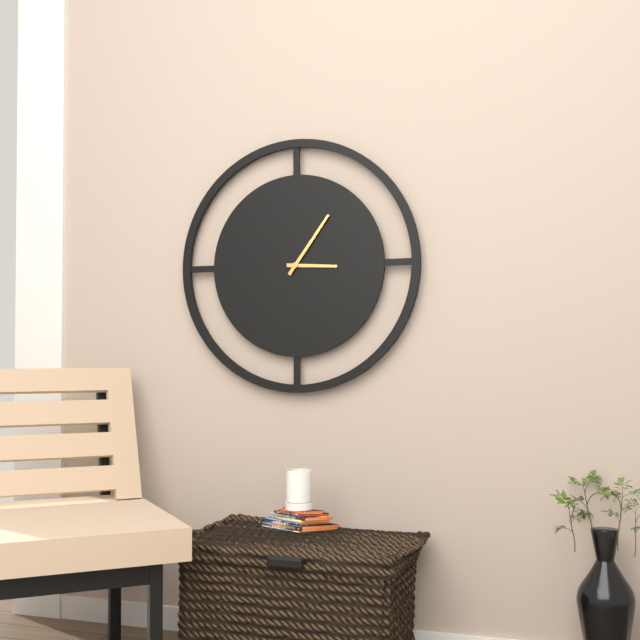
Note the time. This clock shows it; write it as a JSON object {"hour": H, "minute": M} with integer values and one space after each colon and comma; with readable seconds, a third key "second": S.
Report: {"hour": 3, "minute": 6}
